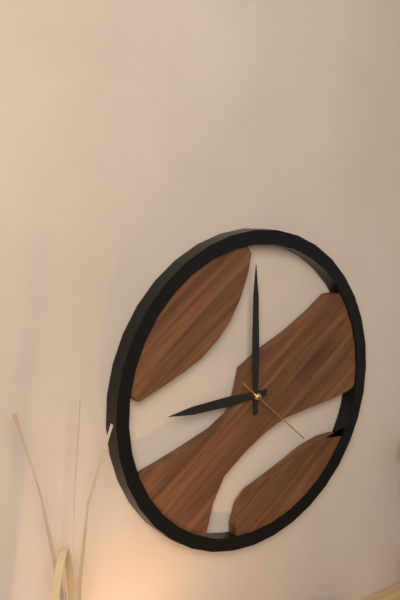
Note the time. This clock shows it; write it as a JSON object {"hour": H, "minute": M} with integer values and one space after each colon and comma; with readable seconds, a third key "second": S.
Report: {"hour": 9, "minute": 0, "second": 22}
